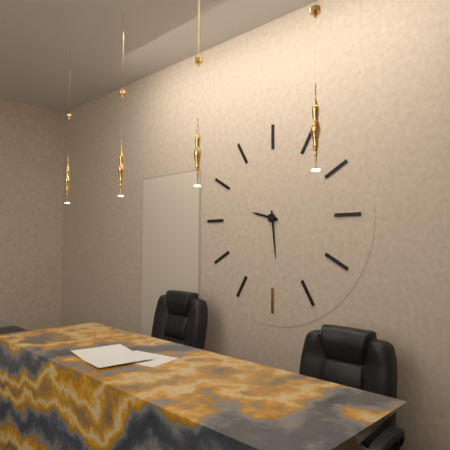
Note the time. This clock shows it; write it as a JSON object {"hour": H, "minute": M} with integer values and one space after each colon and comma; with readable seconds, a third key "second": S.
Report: {"hour": 9, "minute": 29}
